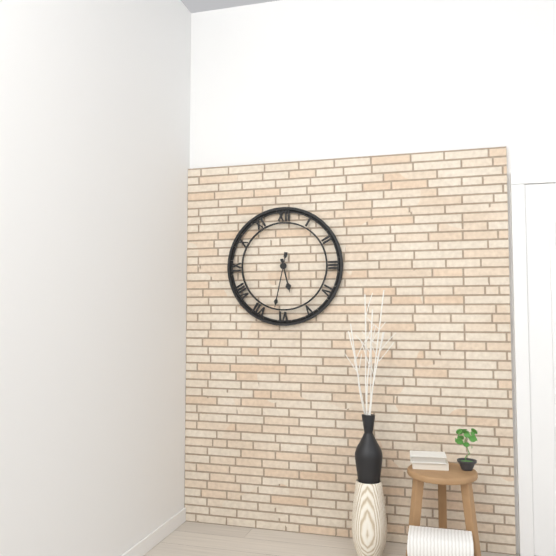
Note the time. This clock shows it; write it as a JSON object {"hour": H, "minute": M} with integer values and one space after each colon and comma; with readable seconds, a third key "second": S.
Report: {"hour": 5, "minute": 32}
